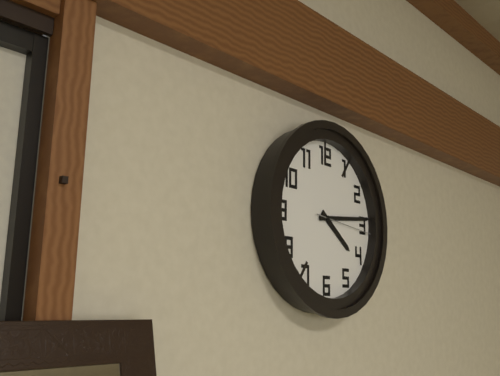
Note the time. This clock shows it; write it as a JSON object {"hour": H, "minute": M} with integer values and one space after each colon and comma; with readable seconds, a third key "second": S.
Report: {"hour": 4, "minute": 14, "second": 16}
